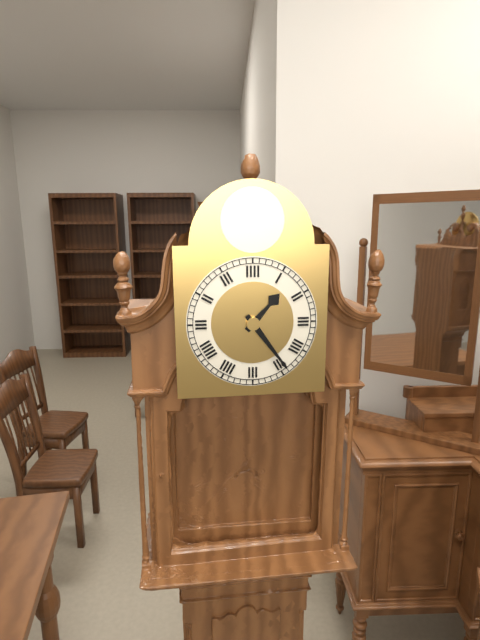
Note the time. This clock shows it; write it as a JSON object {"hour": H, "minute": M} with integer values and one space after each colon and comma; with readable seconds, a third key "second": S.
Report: {"hour": 1, "minute": 24}
